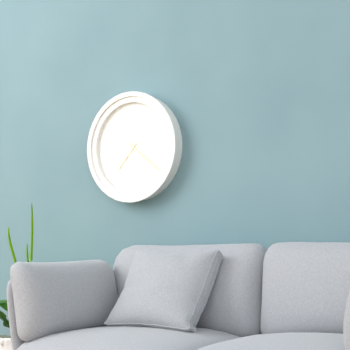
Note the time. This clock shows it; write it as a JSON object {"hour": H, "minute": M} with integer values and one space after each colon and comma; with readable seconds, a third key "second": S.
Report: {"hour": 7, "minute": 21}
